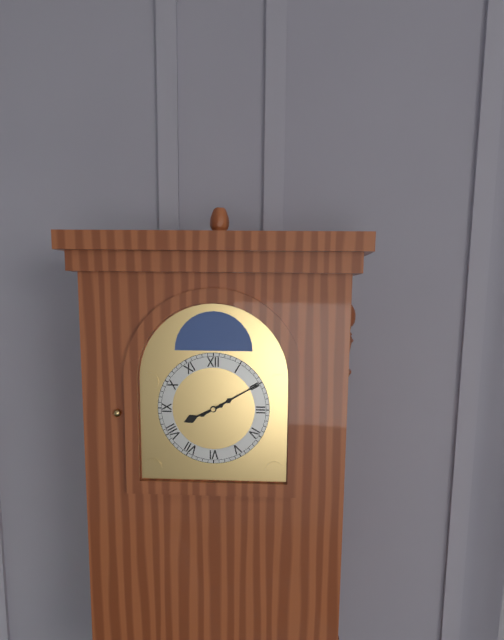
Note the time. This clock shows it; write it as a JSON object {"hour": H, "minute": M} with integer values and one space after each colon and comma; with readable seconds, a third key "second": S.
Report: {"hour": 8, "minute": 10}
